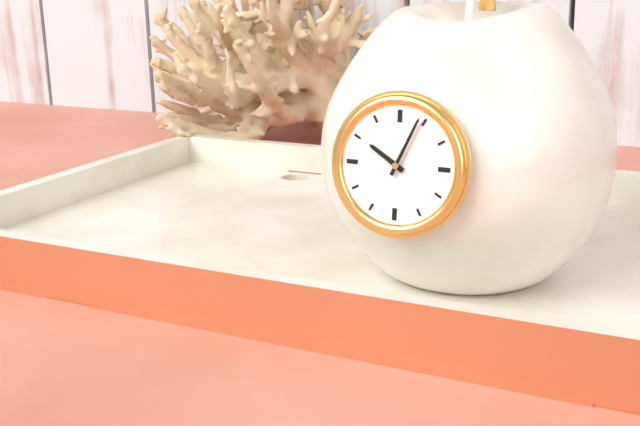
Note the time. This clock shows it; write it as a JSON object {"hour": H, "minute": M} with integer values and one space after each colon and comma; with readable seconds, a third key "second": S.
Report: {"hour": 10, "minute": 4}
